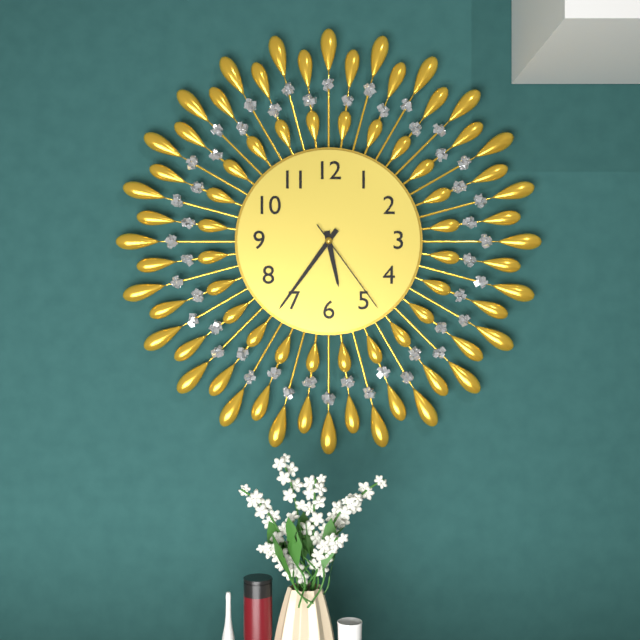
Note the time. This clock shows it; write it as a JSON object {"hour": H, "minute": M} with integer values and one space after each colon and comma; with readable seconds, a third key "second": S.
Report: {"hour": 5, "minute": 36, "second": 24}
